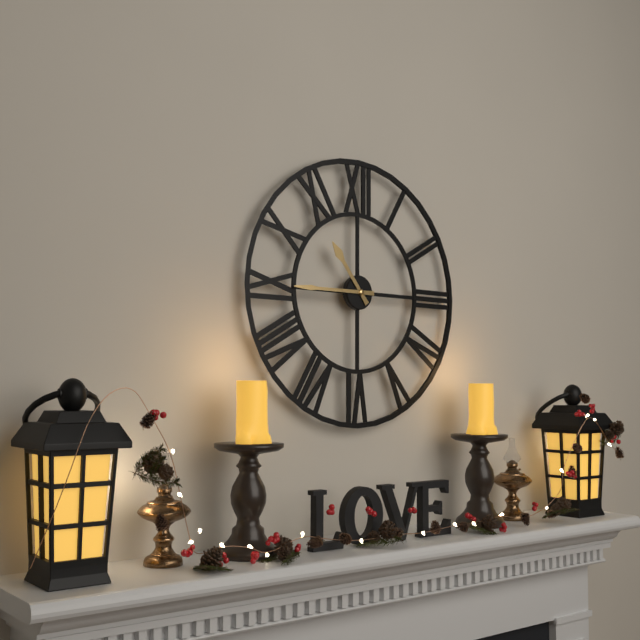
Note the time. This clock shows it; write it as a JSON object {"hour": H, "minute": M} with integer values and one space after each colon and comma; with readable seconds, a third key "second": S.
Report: {"hour": 10, "minute": 45}
